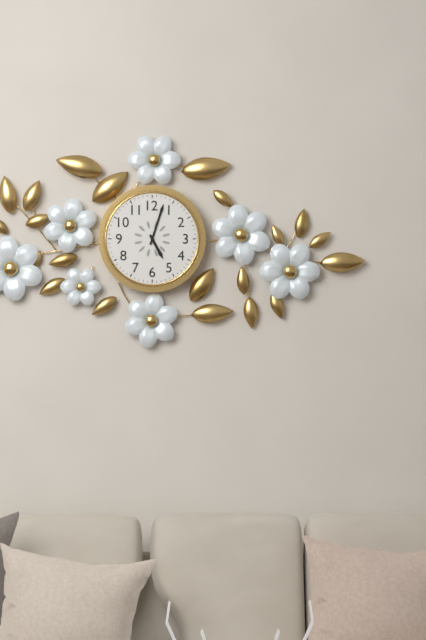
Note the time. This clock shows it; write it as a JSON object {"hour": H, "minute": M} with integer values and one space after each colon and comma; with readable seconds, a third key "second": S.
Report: {"hour": 5, "minute": 3}
